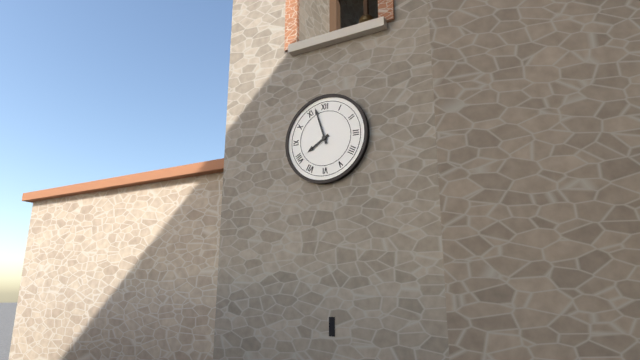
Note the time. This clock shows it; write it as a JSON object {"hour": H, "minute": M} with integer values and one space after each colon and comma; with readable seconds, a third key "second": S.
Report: {"hour": 7, "minute": 57}
